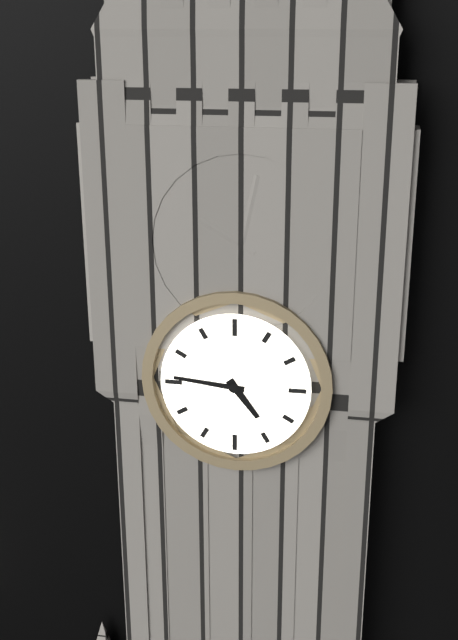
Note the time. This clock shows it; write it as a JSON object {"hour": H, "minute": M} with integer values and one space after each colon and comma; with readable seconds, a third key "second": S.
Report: {"hour": 4, "minute": 46}
